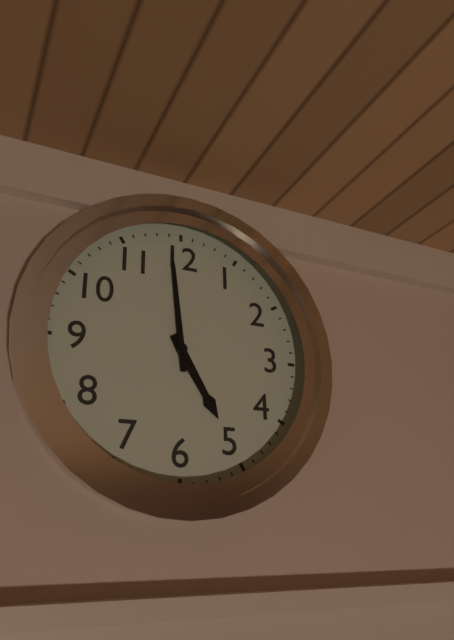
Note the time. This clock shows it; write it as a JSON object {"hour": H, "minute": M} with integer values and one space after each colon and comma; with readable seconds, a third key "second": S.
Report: {"hour": 4, "minute": 59}
